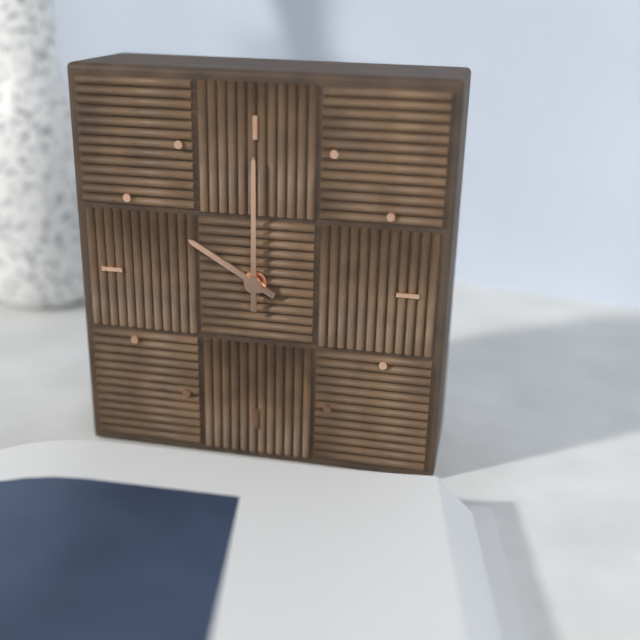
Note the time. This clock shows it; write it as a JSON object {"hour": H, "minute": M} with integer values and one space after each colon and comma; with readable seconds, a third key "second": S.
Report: {"hour": 10, "minute": 0}
